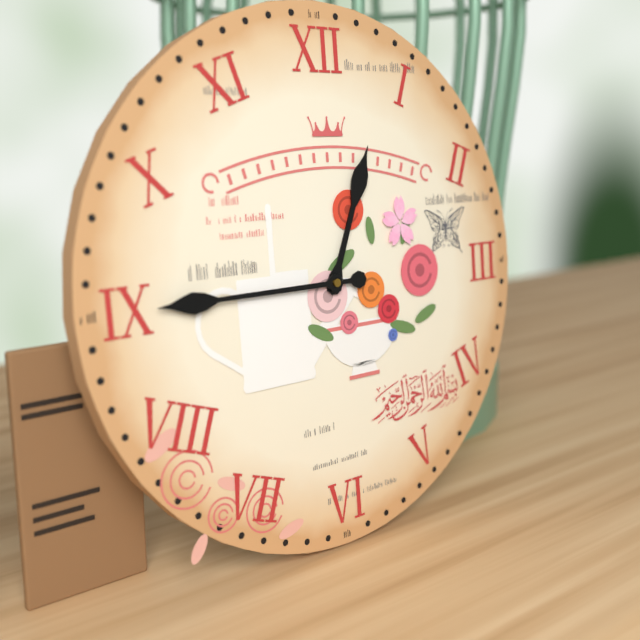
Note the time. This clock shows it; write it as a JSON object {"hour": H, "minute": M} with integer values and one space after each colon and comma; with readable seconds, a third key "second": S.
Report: {"hour": 12, "minute": 45}
